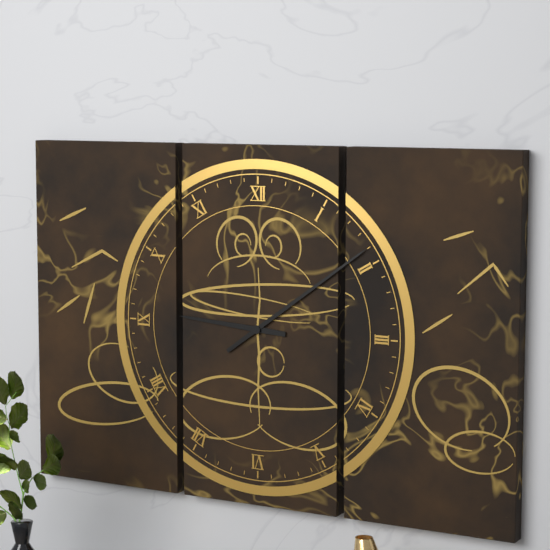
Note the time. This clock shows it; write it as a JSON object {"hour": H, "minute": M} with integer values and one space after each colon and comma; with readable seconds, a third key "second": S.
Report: {"hour": 9, "minute": 9}
